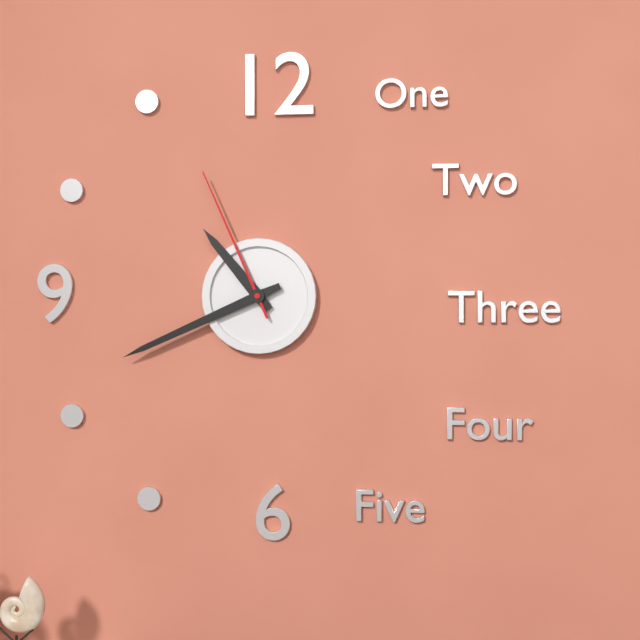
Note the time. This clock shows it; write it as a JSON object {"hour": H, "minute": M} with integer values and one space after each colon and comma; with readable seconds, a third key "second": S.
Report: {"hour": 10, "minute": 41, "second": 56}
